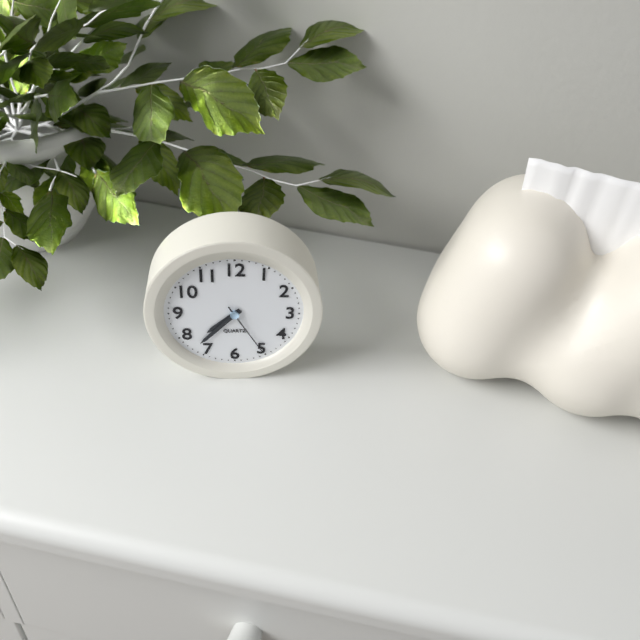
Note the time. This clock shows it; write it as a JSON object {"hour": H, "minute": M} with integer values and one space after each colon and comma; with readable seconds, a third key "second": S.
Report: {"hour": 7, "minute": 37, "second": 25}
